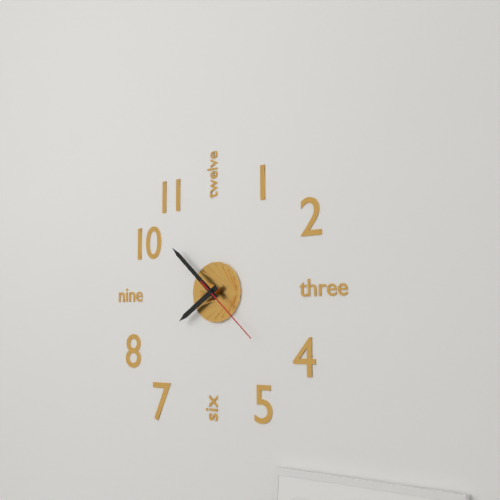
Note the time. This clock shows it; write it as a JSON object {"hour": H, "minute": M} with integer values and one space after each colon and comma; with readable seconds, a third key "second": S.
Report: {"hour": 7, "minute": 52, "second": 22}
